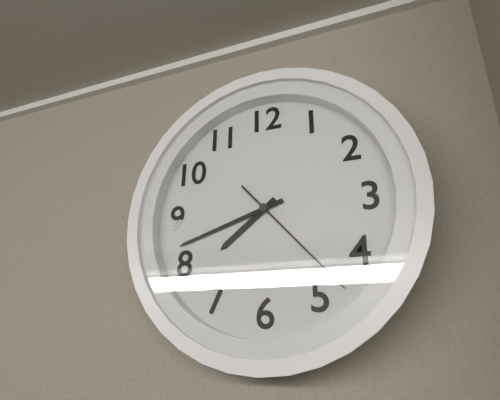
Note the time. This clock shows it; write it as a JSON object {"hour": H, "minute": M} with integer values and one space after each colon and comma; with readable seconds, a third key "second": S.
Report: {"hour": 7, "minute": 42, "second": 23}
